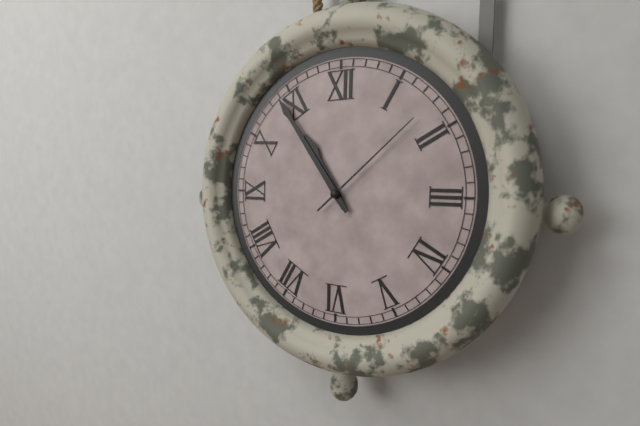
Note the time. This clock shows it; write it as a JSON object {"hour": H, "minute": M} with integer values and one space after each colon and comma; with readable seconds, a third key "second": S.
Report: {"hour": 10, "minute": 54, "second": 8}
